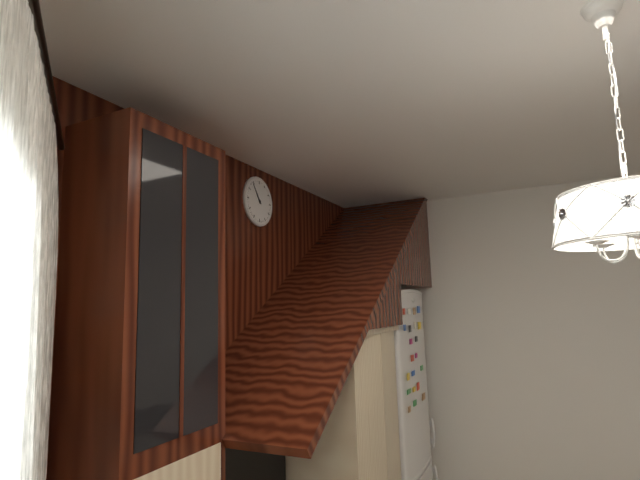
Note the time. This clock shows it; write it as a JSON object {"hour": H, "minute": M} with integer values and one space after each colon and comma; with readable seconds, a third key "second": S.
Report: {"hour": 10, "minute": 54}
